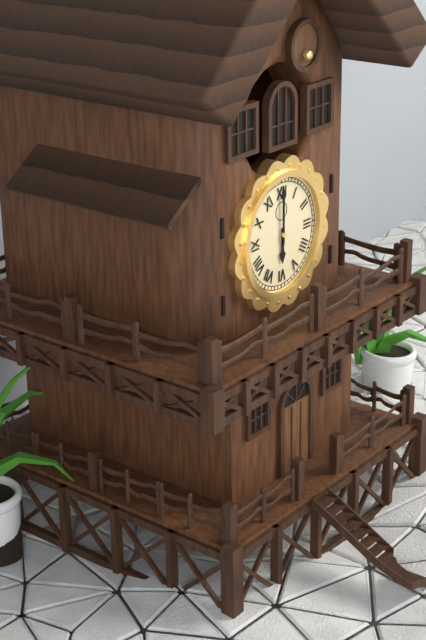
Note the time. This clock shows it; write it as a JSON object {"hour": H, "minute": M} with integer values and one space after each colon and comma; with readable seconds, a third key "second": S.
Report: {"hour": 6, "minute": 0}
